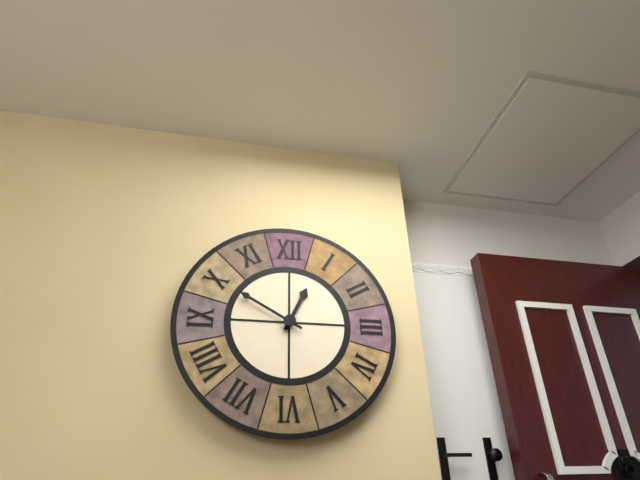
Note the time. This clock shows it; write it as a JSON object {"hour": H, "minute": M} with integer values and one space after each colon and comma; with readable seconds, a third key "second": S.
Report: {"hour": 12, "minute": 50}
